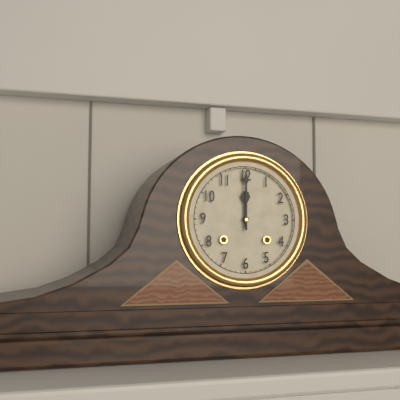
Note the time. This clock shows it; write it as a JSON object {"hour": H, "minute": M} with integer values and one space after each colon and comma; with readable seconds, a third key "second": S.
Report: {"hour": 12, "minute": 0}
